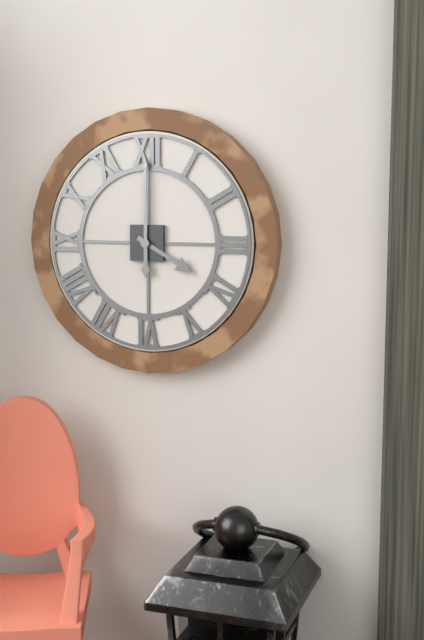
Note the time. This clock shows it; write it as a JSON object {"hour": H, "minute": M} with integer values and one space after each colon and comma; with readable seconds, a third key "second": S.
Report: {"hour": 4, "minute": 0}
